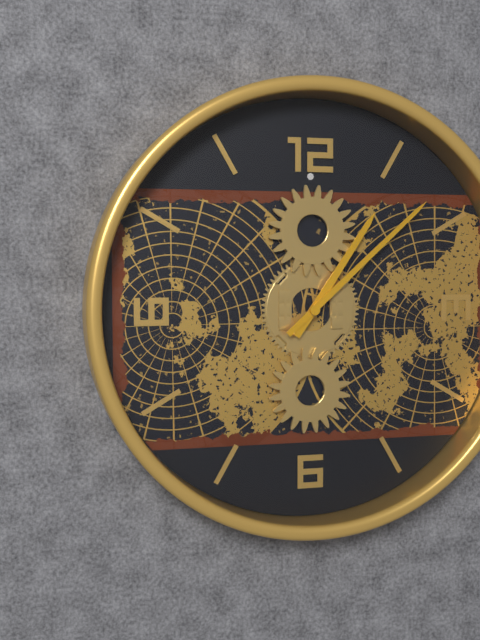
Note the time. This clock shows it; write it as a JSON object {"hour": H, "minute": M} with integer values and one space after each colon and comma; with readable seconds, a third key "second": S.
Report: {"hour": 1, "minute": 8}
